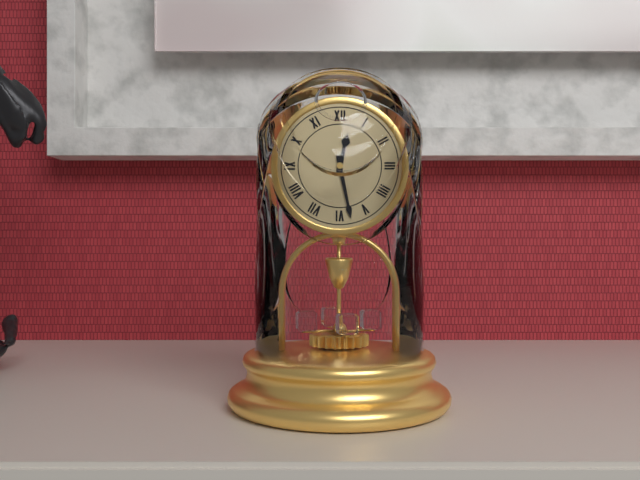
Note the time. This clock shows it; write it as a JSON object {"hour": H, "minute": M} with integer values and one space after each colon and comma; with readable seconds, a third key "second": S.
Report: {"hour": 12, "minute": 28}
